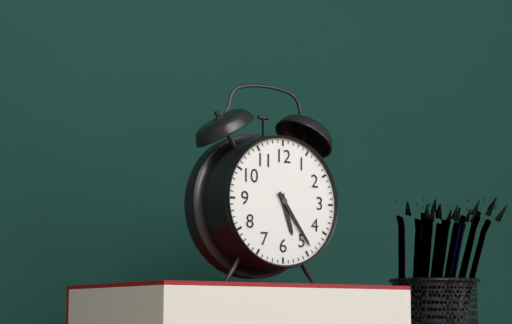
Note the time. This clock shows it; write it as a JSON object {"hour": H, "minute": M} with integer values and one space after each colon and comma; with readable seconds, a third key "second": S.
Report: {"hour": 5, "minute": 24}
